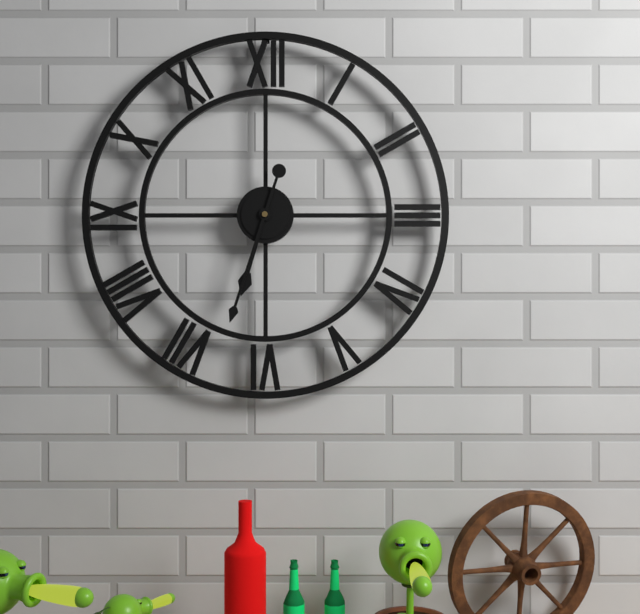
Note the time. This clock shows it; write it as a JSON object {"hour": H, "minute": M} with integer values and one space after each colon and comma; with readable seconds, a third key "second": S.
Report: {"hour": 6, "minute": 33}
